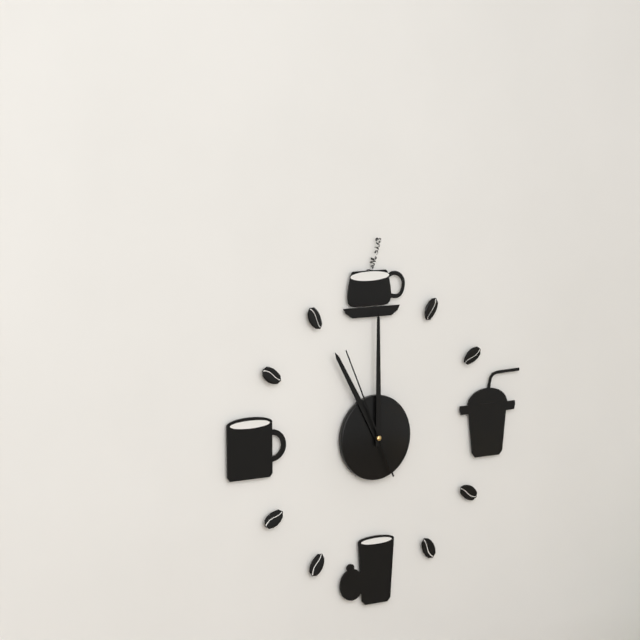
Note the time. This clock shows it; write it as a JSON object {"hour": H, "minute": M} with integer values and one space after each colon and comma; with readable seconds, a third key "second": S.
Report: {"hour": 11, "minute": 0, "second": 56}
